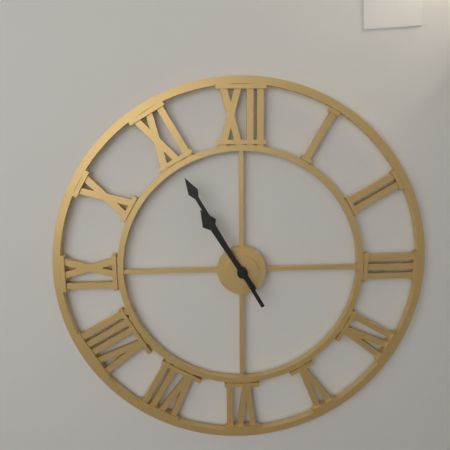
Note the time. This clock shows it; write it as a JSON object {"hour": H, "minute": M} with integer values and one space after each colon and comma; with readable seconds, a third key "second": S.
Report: {"hour": 10, "minute": 55}
